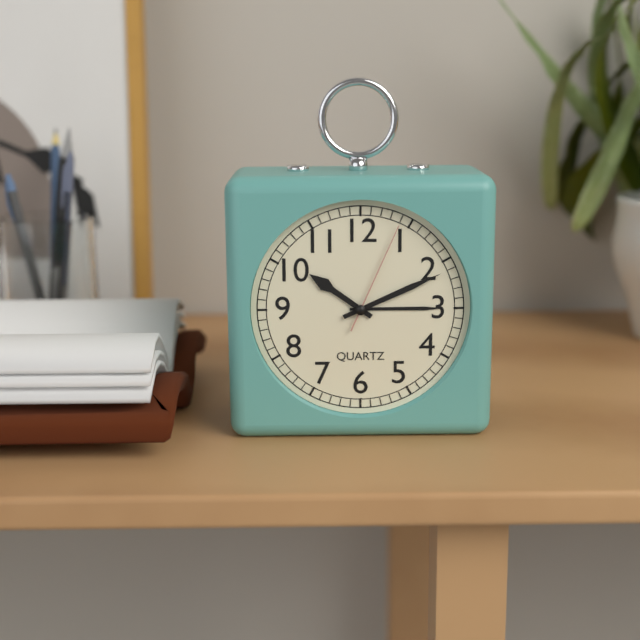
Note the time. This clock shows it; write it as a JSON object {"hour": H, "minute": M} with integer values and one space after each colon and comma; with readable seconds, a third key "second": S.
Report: {"hour": 10, "minute": 11, "second": 4}
